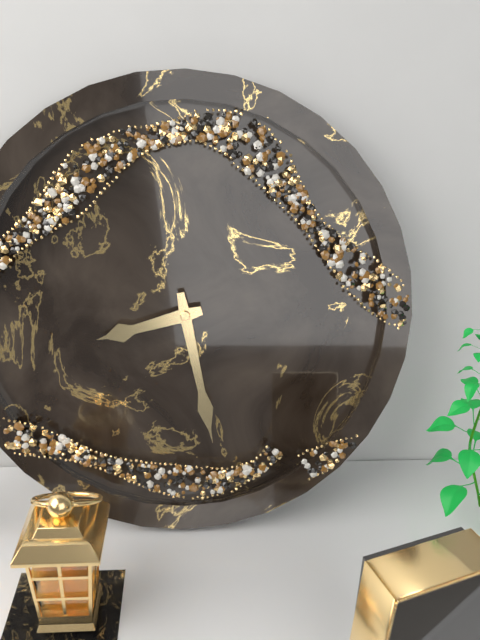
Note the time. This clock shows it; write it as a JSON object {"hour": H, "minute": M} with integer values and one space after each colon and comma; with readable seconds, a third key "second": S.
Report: {"hour": 8, "minute": 28}
